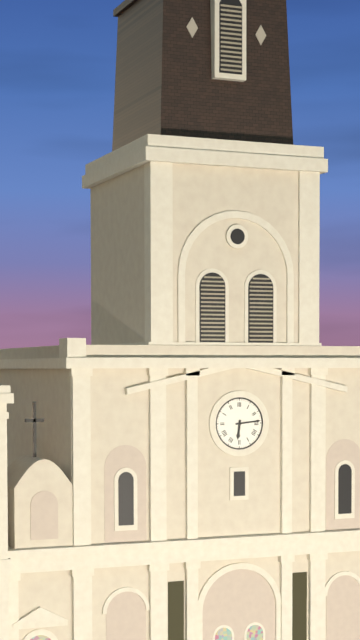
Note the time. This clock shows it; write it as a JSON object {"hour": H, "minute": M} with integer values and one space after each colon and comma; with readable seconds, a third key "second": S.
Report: {"hour": 6, "minute": 14}
